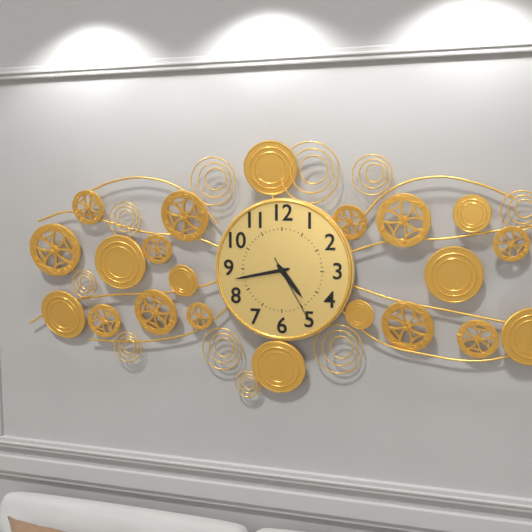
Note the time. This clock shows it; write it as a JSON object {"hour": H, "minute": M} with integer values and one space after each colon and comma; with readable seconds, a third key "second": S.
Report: {"hour": 4, "minute": 43, "second": 25}
